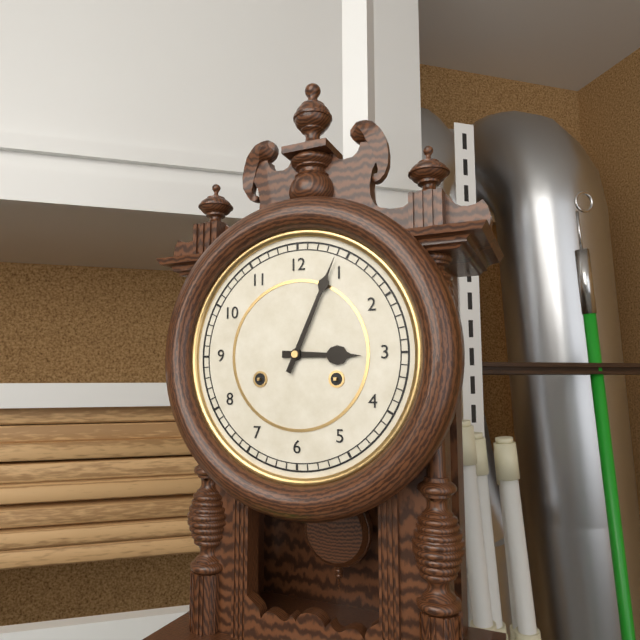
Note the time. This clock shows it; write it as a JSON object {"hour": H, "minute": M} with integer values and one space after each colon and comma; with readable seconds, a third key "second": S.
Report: {"hour": 3, "minute": 4}
